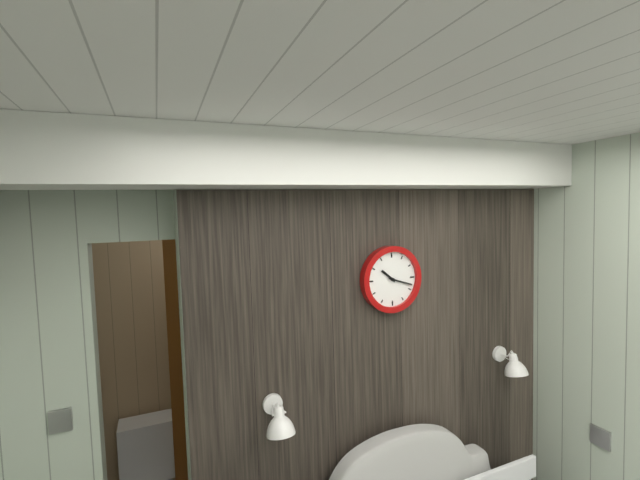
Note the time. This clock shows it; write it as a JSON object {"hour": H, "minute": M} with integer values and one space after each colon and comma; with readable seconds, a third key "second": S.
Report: {"hour": 10, "minute": 18}
